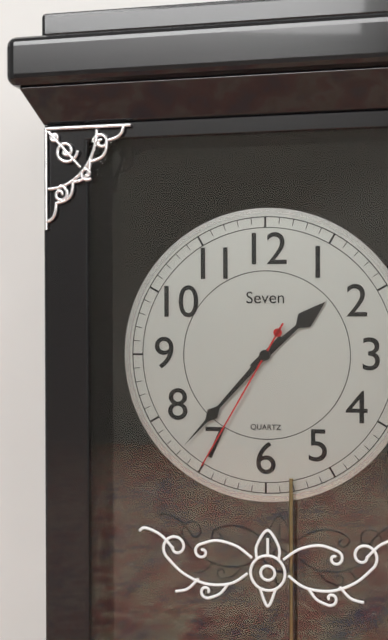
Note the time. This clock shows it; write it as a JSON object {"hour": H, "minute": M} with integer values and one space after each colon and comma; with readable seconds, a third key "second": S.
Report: {"hour": 1, "minute": 37, "second": 35}
